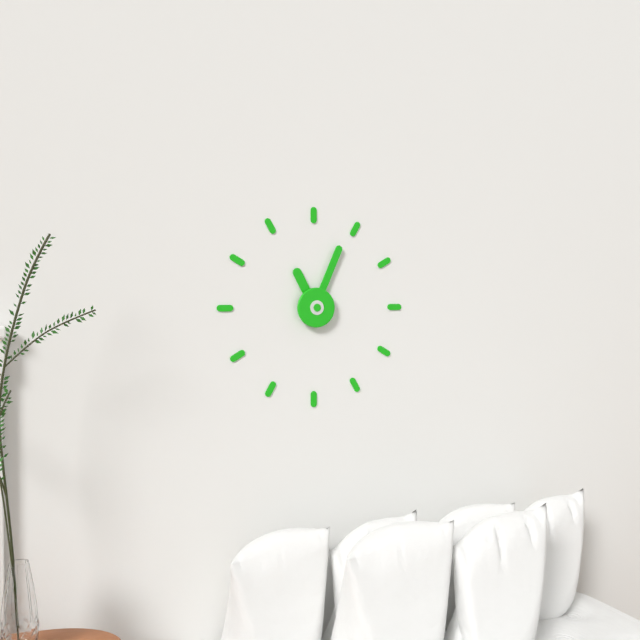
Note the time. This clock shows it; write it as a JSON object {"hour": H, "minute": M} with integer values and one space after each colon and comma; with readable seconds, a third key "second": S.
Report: {"hour": 11, "minute": 4}
